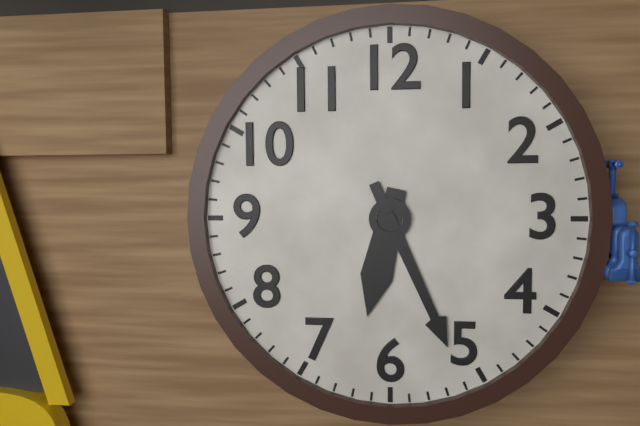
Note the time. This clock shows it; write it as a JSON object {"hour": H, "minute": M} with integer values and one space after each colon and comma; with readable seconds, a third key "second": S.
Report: {"hour": 6, "minute": 26}
